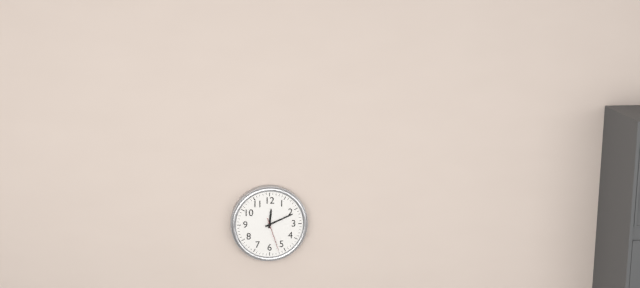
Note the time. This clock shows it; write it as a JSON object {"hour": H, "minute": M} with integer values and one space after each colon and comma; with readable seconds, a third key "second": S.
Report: {"hour": 12, "minute": 11}
